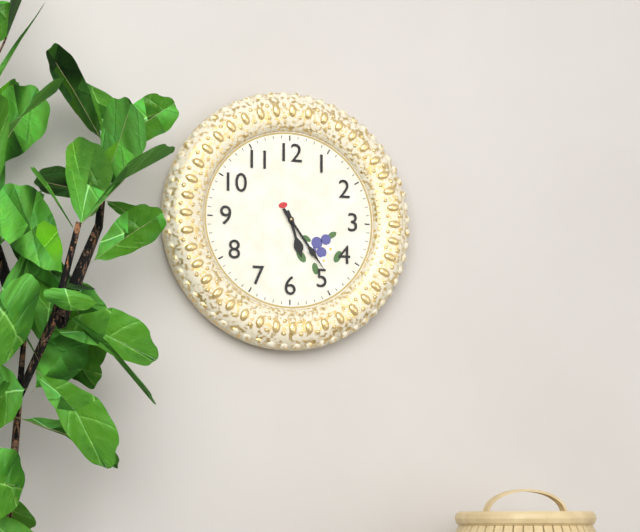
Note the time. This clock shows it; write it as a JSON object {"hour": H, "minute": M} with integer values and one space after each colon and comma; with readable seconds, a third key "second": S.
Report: {"hour": 5, "minute": 24}
